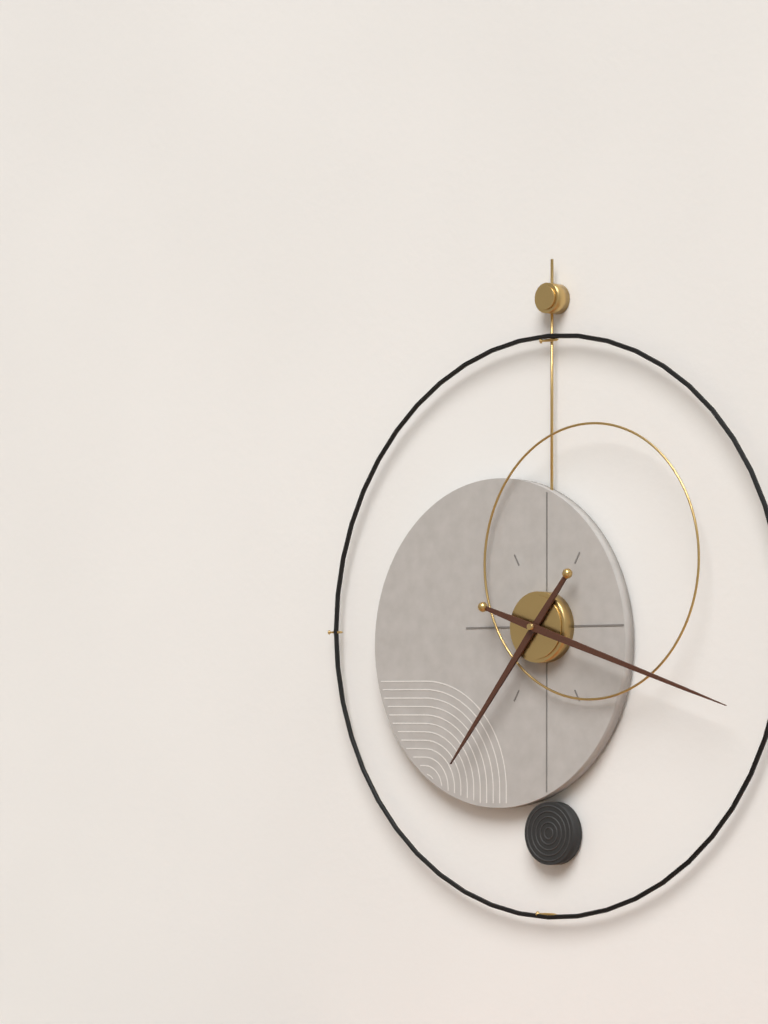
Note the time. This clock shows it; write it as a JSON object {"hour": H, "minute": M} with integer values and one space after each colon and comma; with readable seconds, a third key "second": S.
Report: {"hour": 7, "minute": 18}
